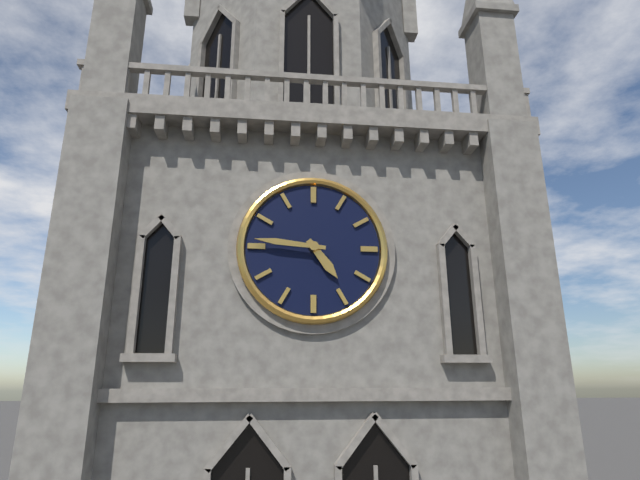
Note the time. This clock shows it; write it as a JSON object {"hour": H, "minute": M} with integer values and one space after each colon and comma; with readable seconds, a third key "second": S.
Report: {"hour": 4, "minute": 46}
